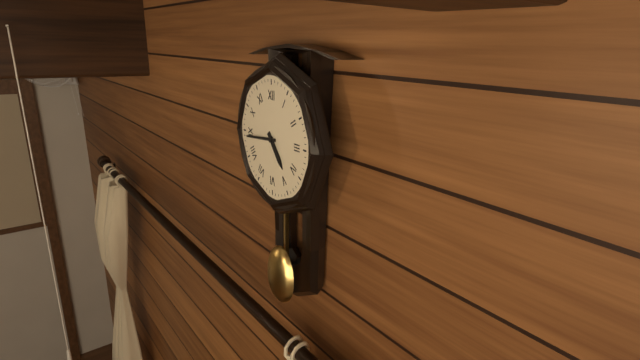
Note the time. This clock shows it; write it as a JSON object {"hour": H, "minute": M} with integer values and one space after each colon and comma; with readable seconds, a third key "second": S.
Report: {"hour": 4, "minute": 44}
